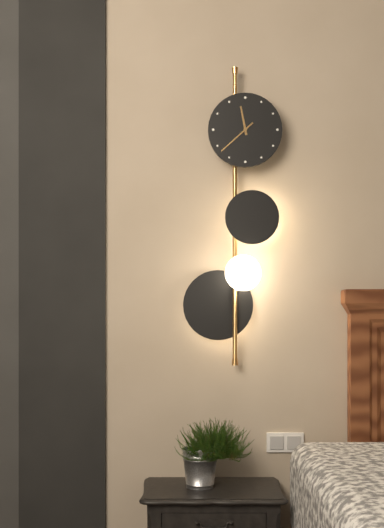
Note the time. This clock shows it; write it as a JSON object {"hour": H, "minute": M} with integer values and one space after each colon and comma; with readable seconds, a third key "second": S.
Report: {"hour": 11, "minute": 38}
